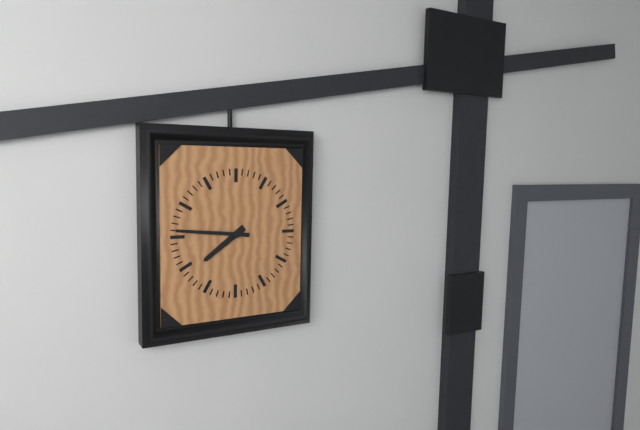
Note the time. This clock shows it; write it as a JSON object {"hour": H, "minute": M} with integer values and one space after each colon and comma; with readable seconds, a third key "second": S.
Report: {"hour": 7, "minute": 46}
